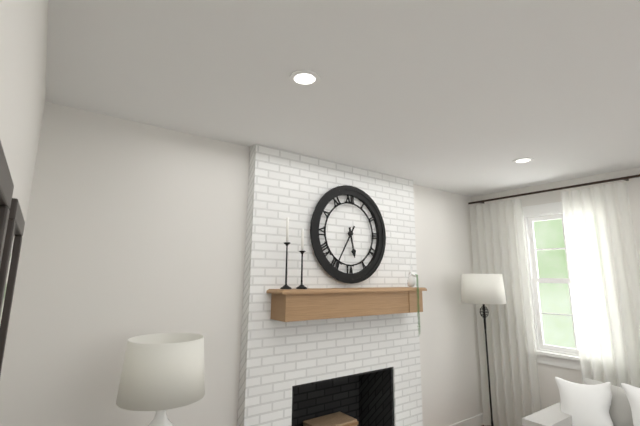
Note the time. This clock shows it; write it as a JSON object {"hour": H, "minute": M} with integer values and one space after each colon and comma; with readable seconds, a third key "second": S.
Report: {"hour": 5, "minute": 35}
